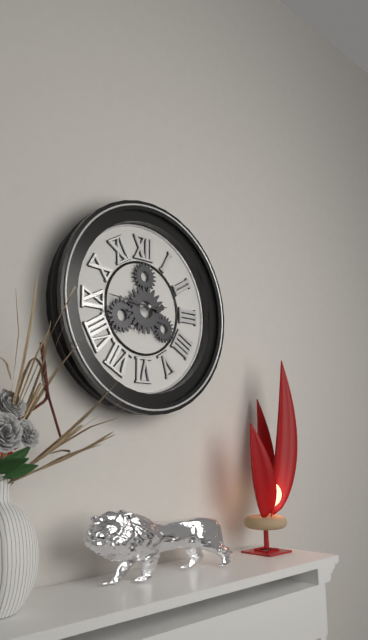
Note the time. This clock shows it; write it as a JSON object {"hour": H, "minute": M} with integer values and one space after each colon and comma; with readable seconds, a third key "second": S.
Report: {"hour": 2, "minute": 46}
